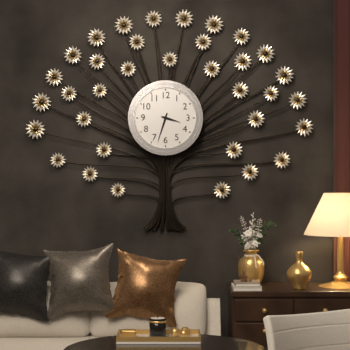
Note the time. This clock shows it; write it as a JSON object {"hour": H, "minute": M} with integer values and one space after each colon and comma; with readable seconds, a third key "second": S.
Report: {"hour": 3, "minute": 33}
